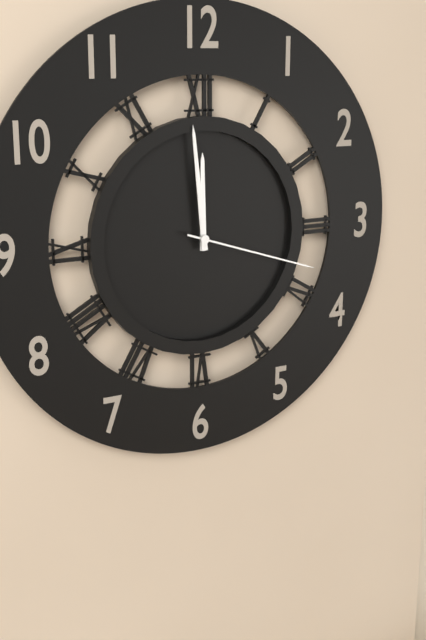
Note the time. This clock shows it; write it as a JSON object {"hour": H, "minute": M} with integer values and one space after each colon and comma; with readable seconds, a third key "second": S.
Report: {"hour": 11, "minute": 59, "second": 18}
